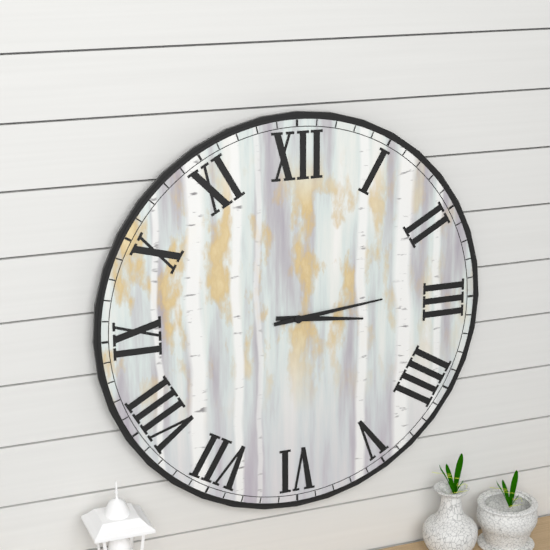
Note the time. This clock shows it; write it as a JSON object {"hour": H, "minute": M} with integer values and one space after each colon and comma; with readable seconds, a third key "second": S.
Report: {"hour": 3, "minute": 14}
